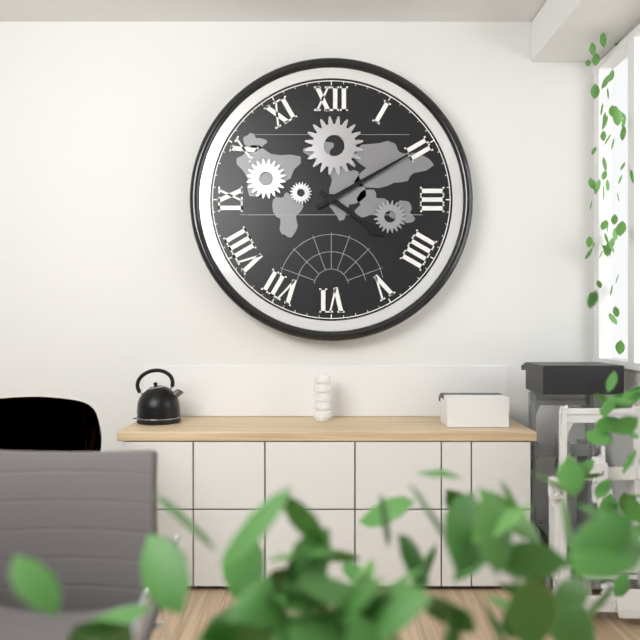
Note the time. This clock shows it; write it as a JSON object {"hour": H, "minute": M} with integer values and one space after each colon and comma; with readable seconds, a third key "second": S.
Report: {"hour": 4, "minute": 10}
